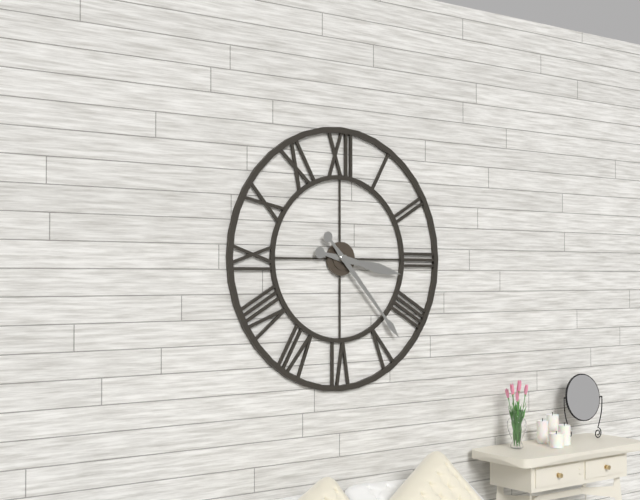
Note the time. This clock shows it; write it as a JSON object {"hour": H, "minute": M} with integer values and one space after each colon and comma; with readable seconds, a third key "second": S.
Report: {"hour": 3, "minute": 23}
